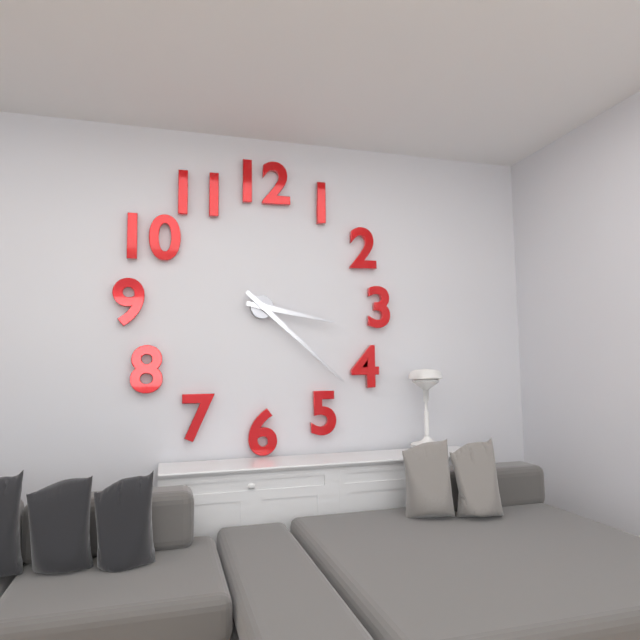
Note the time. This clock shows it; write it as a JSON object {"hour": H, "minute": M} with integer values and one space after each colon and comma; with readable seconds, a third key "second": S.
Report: {"hour": 3, "minute": 22}
